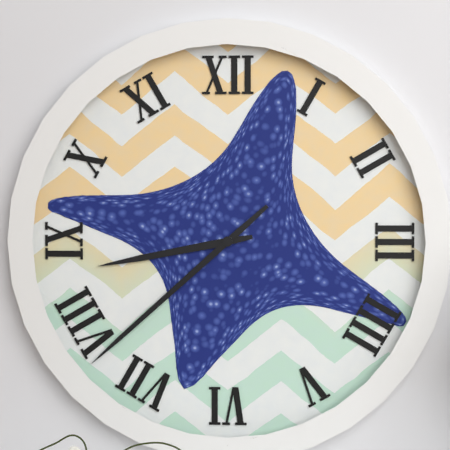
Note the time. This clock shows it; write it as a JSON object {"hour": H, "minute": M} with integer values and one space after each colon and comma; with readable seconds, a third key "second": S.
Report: {"hour": 8, "minute": 38}
